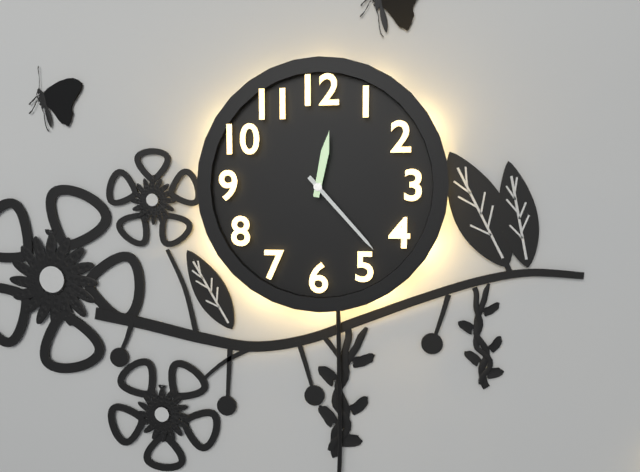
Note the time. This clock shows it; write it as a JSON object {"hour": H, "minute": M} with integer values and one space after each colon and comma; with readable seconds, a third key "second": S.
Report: {"hour": 12, "minute": 23}
